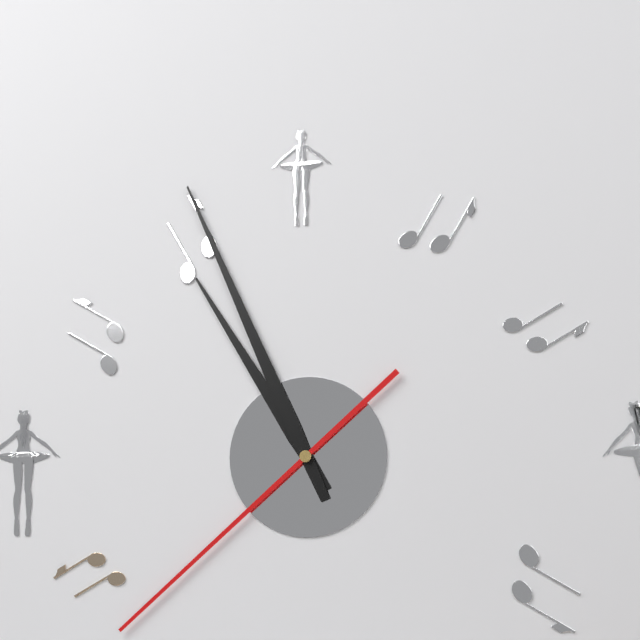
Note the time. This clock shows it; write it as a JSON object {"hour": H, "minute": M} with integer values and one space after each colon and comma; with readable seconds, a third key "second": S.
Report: {"hour": 10, "minute": 56, "second": 38}
